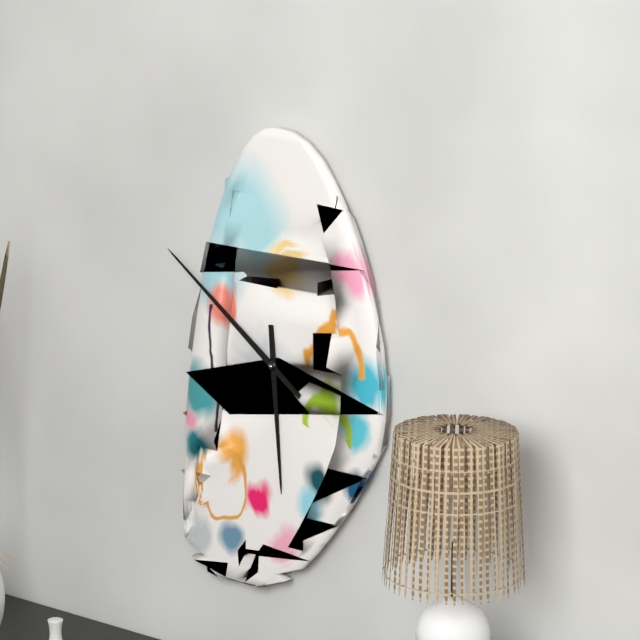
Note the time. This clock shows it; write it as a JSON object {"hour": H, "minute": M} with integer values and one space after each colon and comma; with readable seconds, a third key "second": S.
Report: {"hour": 5, "minute": 51}
